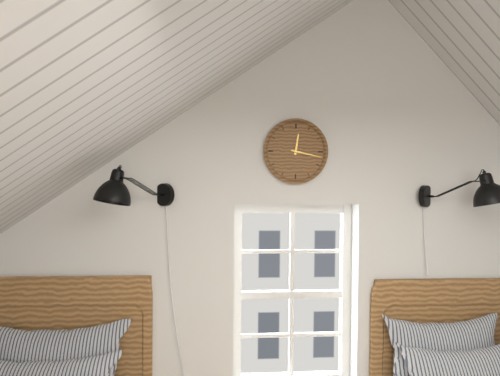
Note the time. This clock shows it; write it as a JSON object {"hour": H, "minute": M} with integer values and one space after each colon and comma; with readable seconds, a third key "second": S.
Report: {"hour": 12, "minute": 17}
